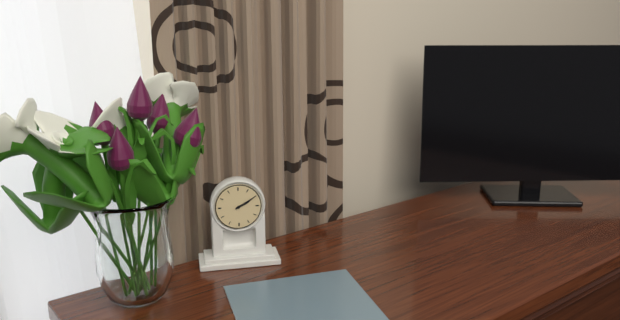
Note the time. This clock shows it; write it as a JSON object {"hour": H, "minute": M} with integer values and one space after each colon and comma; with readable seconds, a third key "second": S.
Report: {"hour": 2, "minute": 10}
